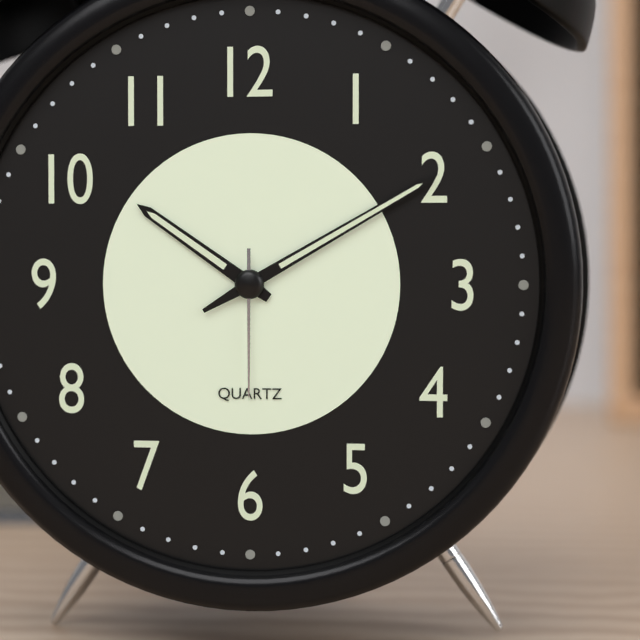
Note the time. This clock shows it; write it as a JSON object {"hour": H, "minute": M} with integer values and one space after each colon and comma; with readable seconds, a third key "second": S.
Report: {"hour": 10, "minute": 10, "second": 30}
